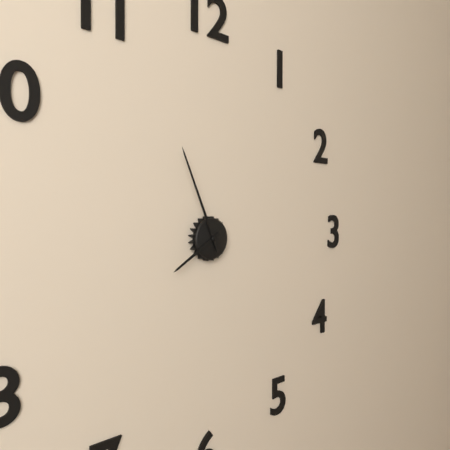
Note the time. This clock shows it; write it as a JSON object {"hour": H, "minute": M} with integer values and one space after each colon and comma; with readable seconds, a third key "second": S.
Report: {"hour": 7, "minute": 56}
